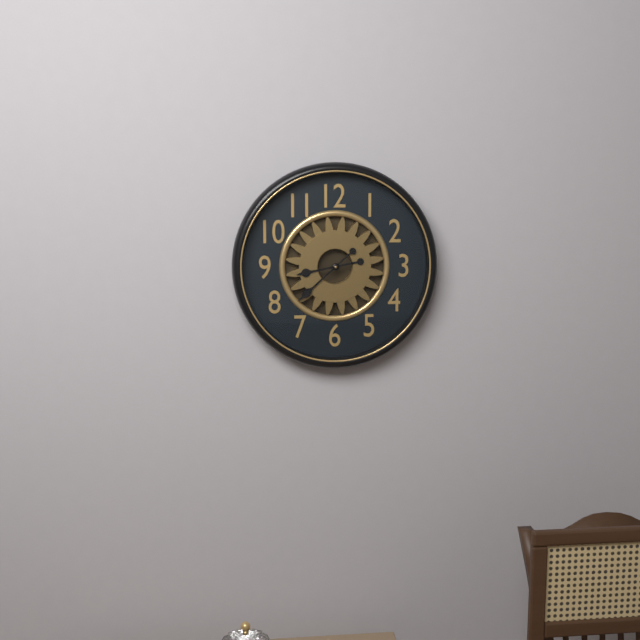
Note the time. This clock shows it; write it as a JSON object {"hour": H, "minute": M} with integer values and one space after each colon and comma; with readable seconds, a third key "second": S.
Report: {"hour": 8, "minute": 38}
